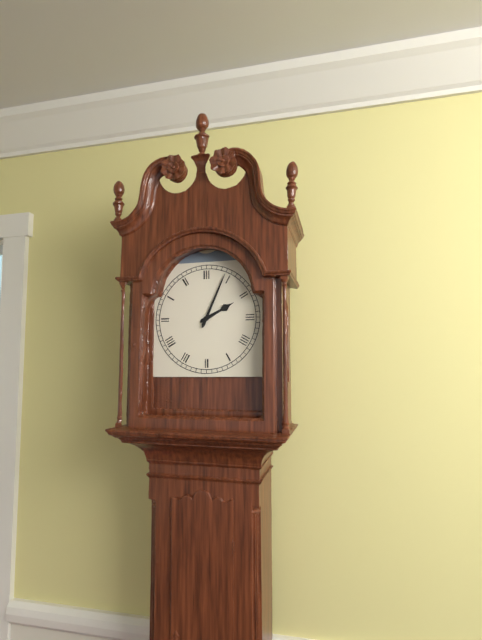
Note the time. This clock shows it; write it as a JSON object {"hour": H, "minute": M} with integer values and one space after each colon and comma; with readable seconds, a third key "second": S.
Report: {"hour": 2, "minute": 4}
